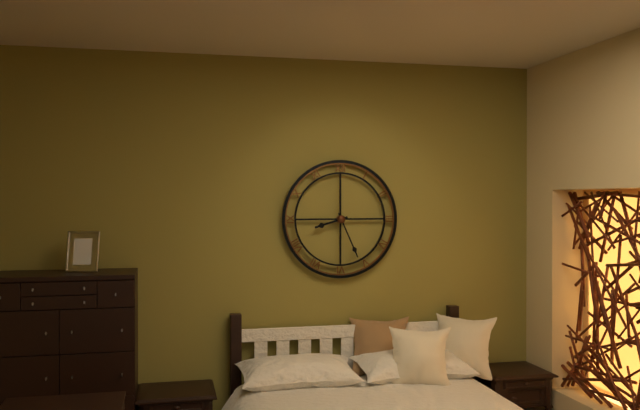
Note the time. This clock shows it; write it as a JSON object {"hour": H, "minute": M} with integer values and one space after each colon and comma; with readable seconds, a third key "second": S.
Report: {"hour": 8, "minute": 26}
